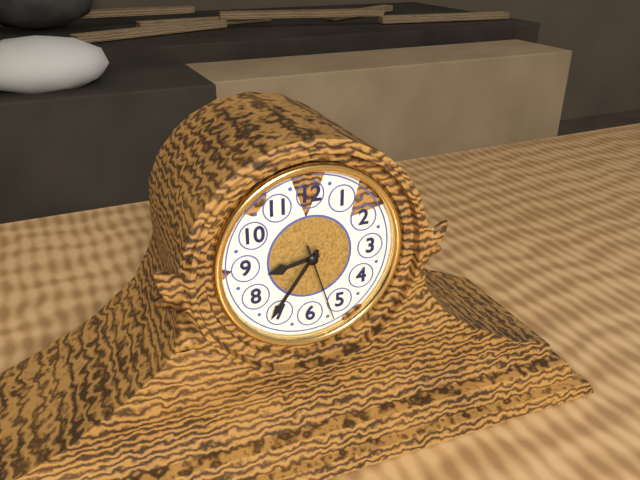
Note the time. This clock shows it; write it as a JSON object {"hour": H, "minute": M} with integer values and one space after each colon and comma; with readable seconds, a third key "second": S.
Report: {"hour": 8, "minute": 36, "second": 27}
